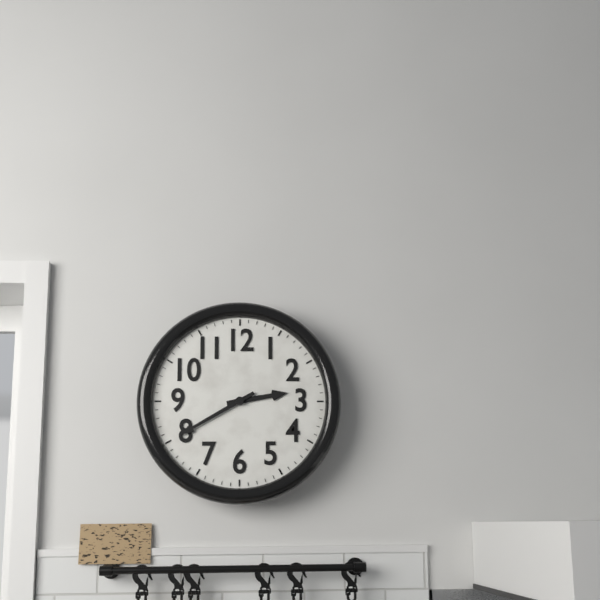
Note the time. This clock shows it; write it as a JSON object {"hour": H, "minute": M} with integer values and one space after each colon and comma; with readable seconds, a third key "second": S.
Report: {"hour": 2, "minute": 40}
